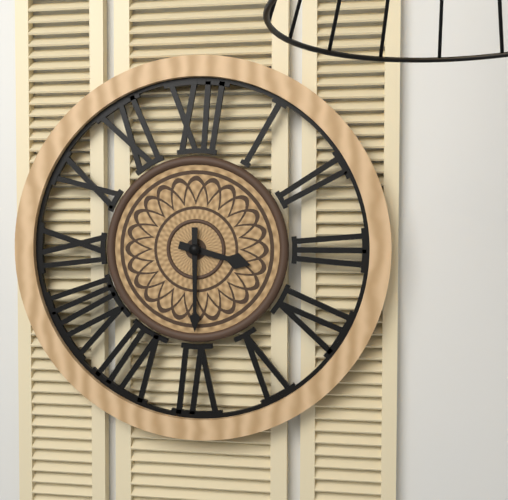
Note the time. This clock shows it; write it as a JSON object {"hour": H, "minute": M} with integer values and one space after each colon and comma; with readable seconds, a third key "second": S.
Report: {"hour": 3, "minute": 30}
